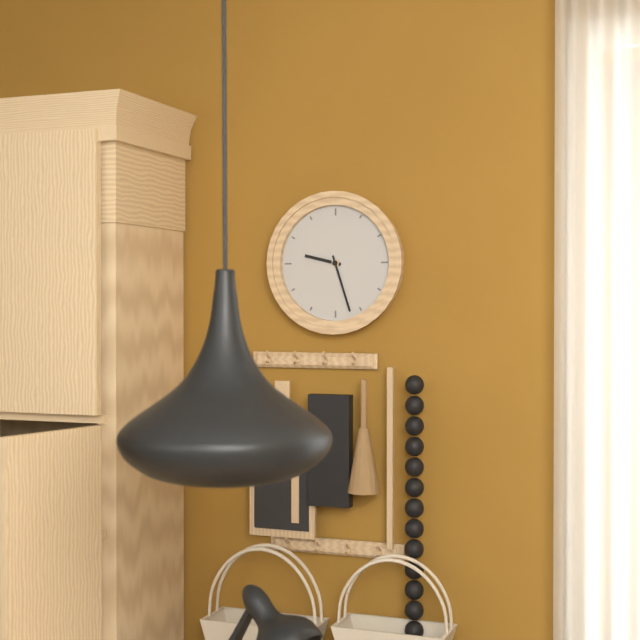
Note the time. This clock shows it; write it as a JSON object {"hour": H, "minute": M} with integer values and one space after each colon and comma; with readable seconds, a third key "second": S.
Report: {"hour": 9, "minute": 27}
